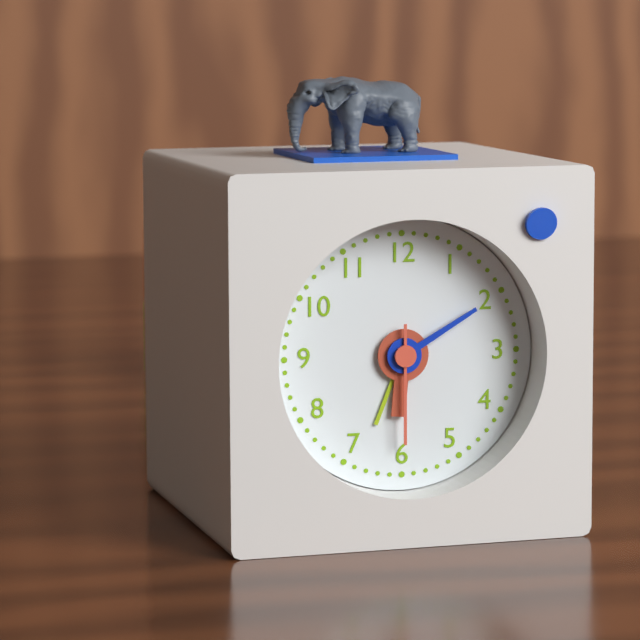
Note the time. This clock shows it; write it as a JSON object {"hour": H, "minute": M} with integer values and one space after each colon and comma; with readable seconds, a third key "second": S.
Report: {"hour": 6, "minute": 10, "second": 30}
